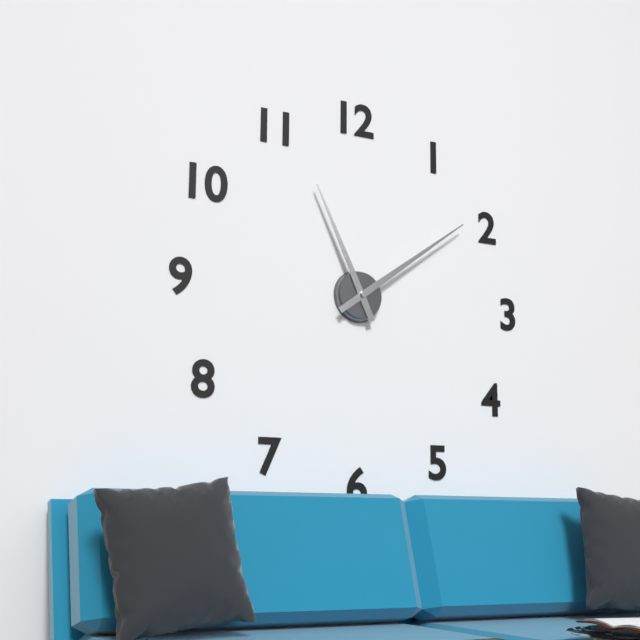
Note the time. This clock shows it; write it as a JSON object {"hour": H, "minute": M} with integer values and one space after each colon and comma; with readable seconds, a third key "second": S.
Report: {"hour": 11, "minute": 9}
